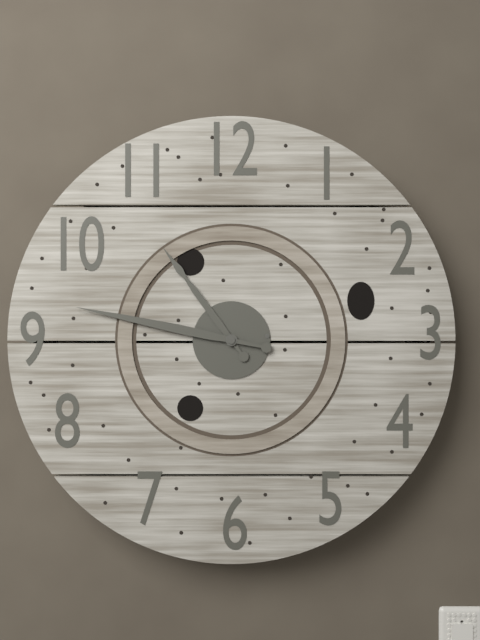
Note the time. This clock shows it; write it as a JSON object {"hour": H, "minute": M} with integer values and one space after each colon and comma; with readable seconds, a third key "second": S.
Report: {"hour": 10, "minute": 47}
